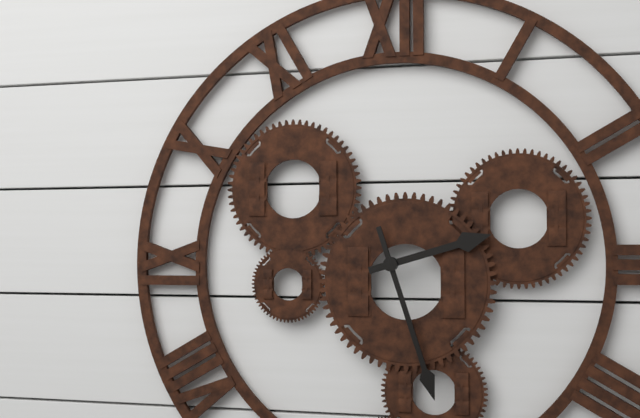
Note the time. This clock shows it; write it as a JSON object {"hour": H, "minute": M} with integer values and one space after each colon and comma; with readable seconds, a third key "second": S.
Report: {"hour": 2, "minute": 27}
